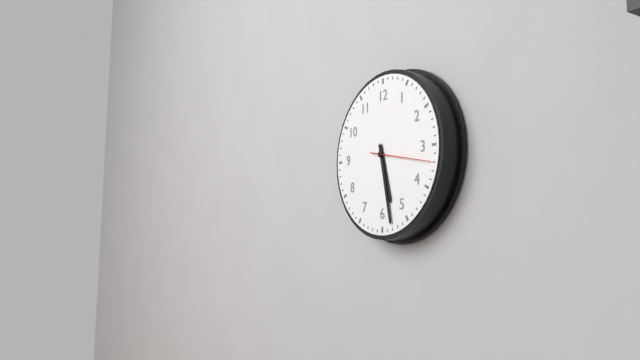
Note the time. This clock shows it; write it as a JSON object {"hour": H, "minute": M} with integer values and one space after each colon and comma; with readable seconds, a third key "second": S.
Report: {"hour": 5, "minute": 28, "second": 17}
